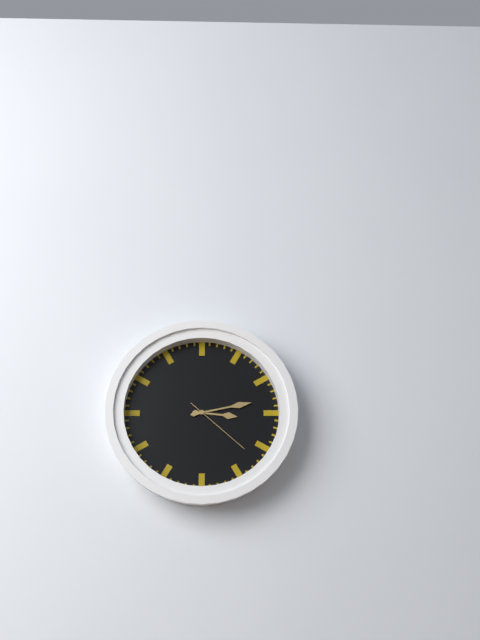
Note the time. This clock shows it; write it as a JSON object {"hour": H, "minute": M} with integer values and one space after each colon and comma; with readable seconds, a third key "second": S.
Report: {"hour": 3, "minute": 13, "second": 22}
